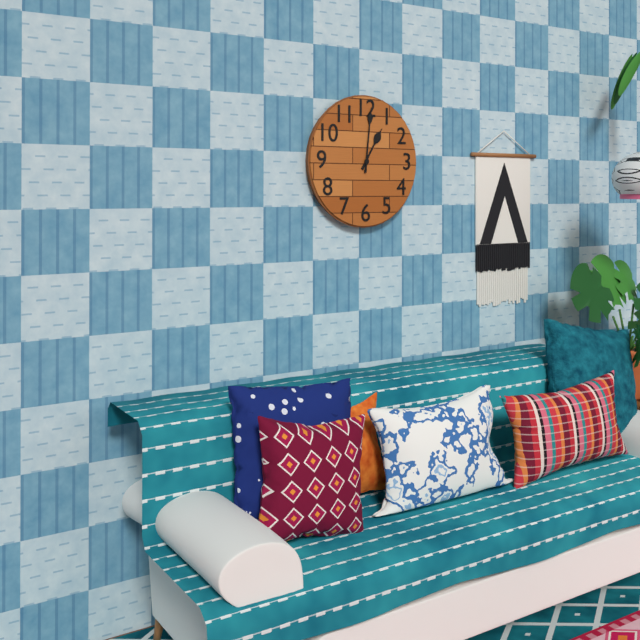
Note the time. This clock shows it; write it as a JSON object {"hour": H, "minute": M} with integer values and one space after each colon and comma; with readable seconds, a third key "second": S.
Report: {"hour": 1, "minute": 1}
